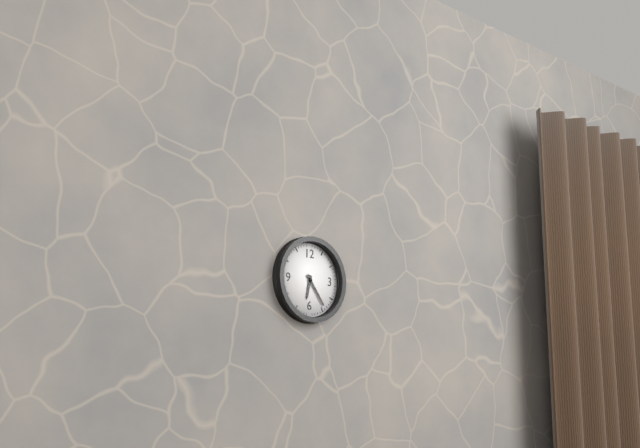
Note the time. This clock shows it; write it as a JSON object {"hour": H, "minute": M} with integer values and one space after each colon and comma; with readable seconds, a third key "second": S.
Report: {"hour": 6, "minute": 24}
